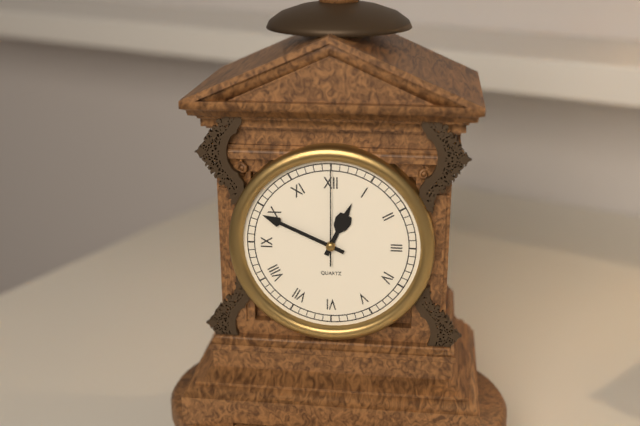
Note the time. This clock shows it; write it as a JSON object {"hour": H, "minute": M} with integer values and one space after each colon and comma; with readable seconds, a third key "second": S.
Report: {"hour": 12, "minute": 49, "second": 0}
